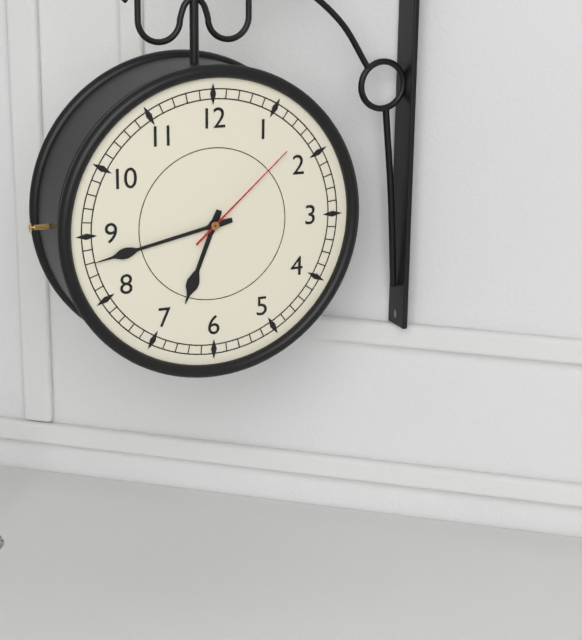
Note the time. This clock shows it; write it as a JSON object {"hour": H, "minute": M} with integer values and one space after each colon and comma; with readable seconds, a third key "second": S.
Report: {"hour": 6, "minute": 43, "second": 8}
